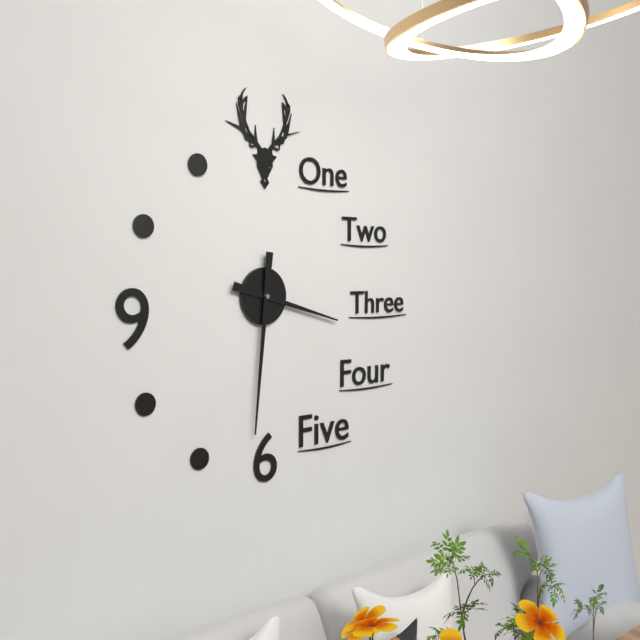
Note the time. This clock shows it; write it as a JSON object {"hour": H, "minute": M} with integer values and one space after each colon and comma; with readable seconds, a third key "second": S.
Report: {"hour": 3, "minute": 31}
